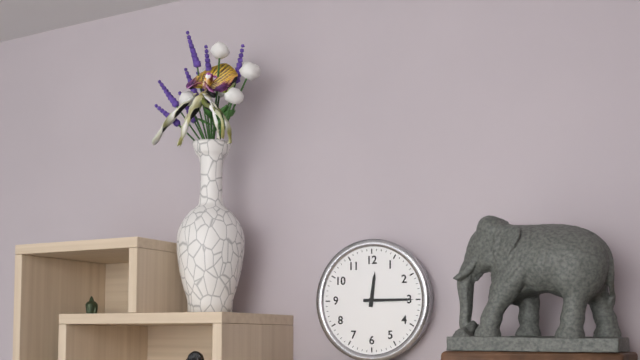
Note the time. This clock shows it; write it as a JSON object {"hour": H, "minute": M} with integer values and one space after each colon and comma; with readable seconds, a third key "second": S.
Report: {"hour": 12, "minute": 15}
